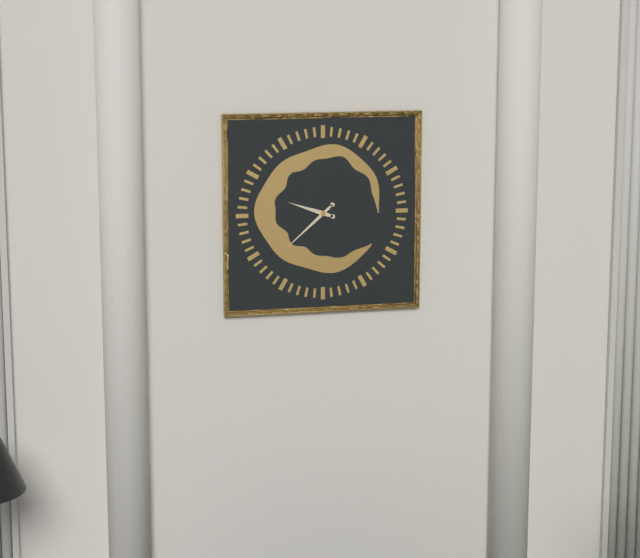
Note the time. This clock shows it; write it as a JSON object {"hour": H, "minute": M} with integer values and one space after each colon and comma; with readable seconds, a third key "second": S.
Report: {"hour": 9, "minute": 38}
